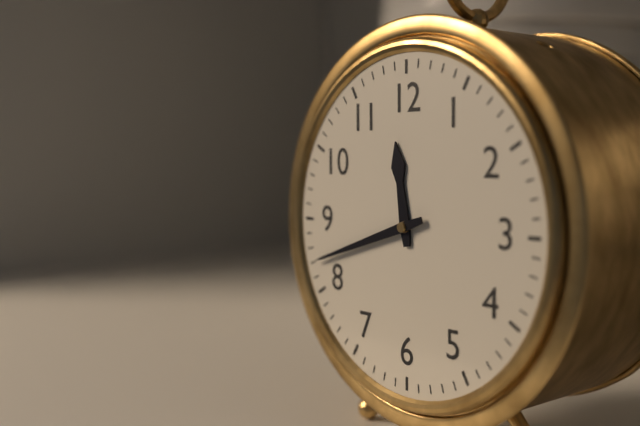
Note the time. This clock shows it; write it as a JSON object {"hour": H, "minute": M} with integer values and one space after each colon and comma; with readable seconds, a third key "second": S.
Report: {"hour": 11, "minute": 42}
